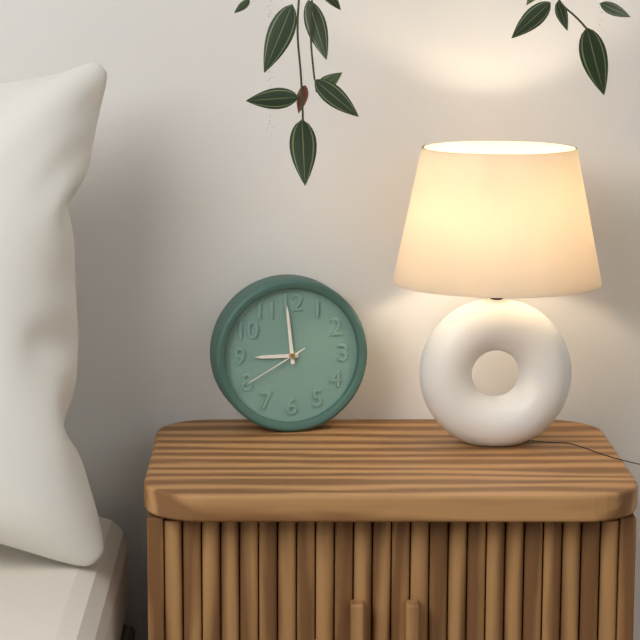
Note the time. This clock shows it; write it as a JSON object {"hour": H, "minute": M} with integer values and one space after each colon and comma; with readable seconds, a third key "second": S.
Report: {"hour": 8, "minute": 59, "second": 40}
